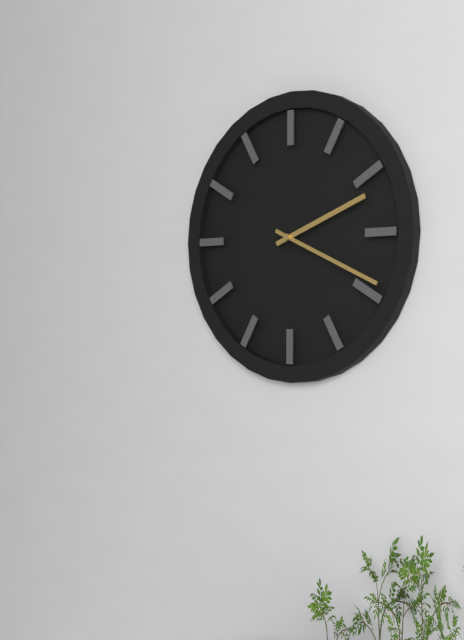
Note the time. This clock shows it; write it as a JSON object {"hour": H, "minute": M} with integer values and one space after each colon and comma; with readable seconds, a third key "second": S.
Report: {"hour": 2, "minute": 19}
